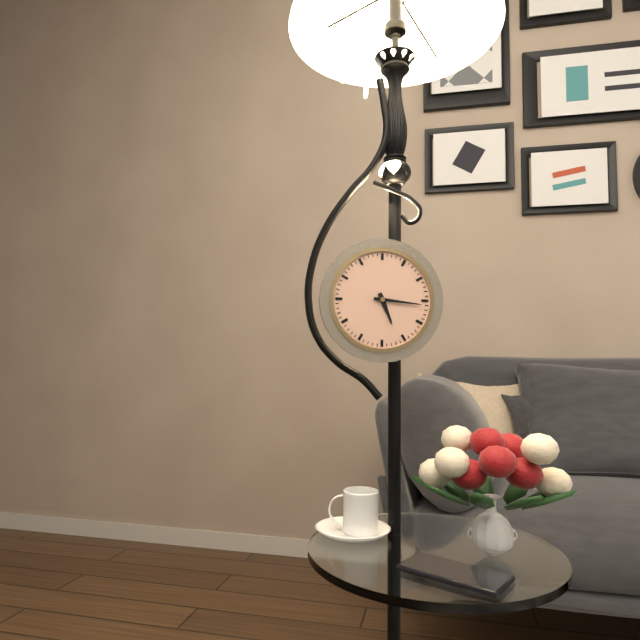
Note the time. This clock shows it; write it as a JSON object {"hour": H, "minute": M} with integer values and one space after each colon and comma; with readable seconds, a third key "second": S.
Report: {"hour": 5, "minute": 16}
